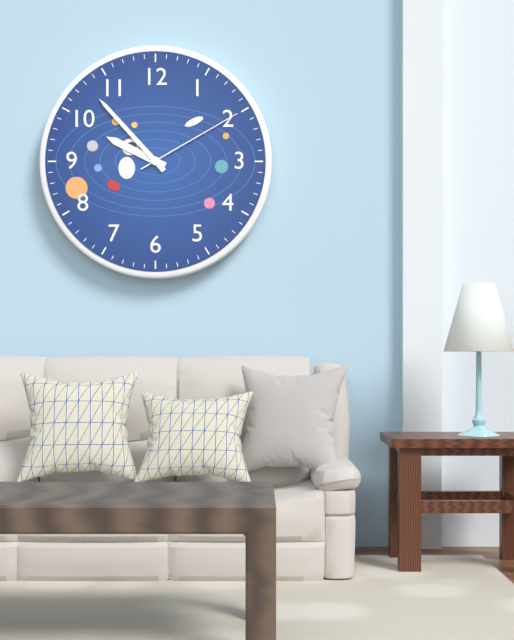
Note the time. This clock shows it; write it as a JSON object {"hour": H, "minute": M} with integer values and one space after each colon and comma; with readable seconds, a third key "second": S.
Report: {"hour": 9, "minute": 53, "second": 10}
